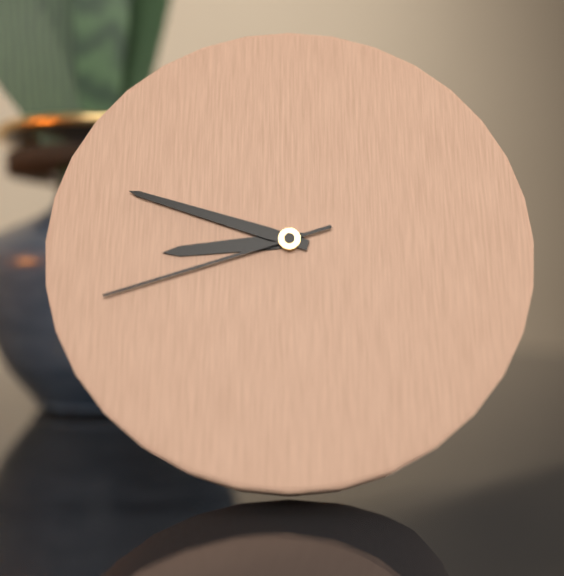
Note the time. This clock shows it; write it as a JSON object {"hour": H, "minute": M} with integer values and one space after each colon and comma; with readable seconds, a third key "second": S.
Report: {"hour": 8, "minute": 48, "second": 42}
